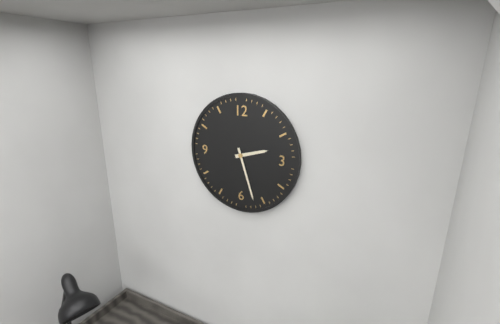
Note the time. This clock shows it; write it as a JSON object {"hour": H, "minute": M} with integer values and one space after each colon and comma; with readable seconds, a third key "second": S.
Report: {"hour": 2, "minute": 27}
